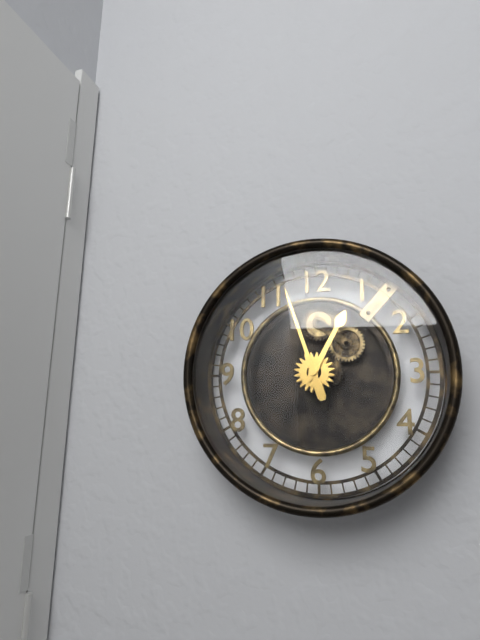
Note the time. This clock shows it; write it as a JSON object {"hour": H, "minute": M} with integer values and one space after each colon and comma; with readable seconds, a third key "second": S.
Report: {"hour": 12, "minute": 57}
